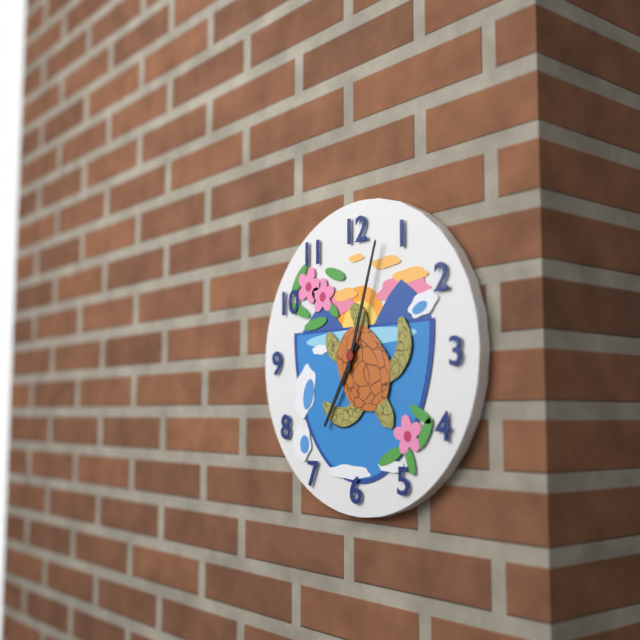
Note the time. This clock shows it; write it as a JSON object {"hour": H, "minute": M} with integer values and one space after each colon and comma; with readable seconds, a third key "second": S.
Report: {"hour": 7, "minute": 3}
